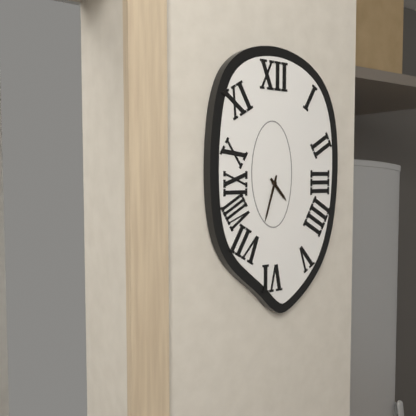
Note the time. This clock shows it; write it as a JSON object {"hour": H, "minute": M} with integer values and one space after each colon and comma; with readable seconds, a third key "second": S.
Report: {"hour": 4, "minute": 33}
